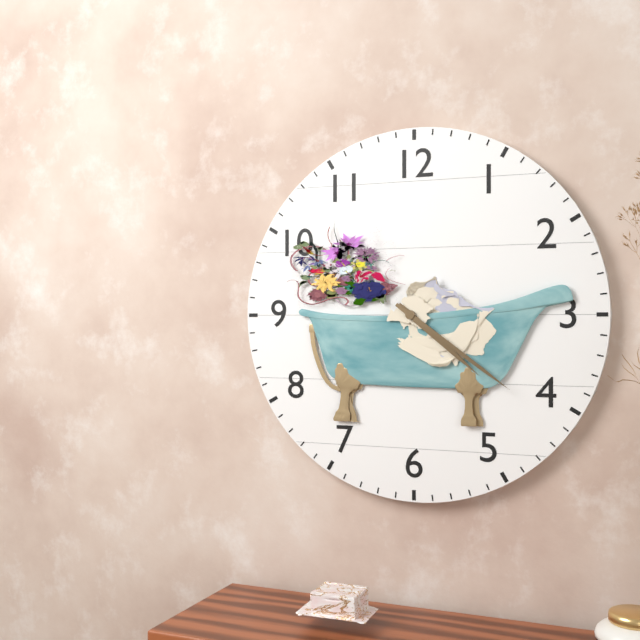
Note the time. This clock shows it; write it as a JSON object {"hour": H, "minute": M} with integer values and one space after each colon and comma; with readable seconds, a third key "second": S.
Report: {"hour": 4, "minute": 21}
